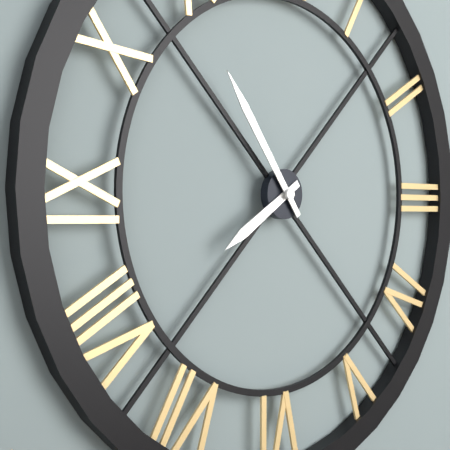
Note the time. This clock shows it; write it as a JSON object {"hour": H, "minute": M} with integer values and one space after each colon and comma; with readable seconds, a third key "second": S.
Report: {"hour": 7, "minute": 54}
